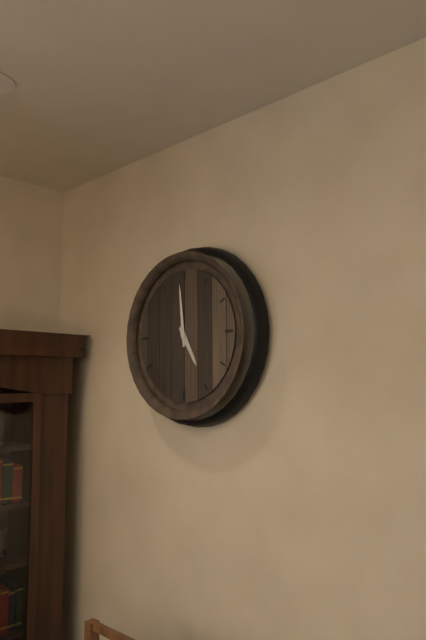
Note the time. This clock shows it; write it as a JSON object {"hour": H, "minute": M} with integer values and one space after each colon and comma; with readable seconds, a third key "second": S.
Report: {"hour": 4, "minute": 59}
